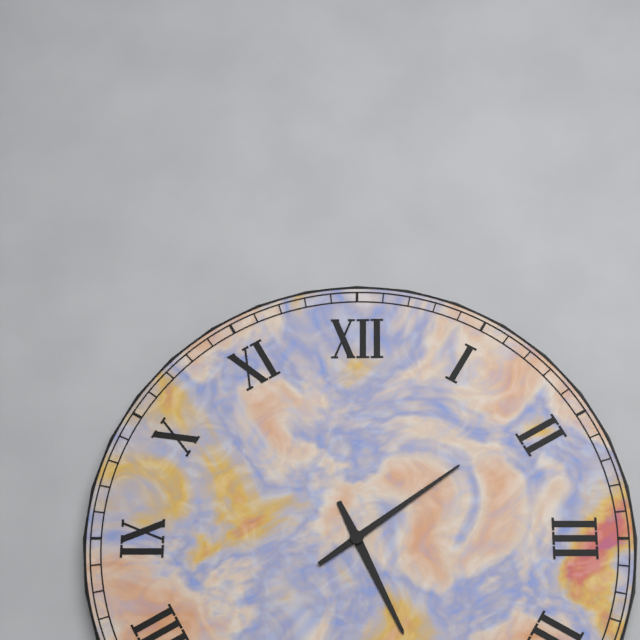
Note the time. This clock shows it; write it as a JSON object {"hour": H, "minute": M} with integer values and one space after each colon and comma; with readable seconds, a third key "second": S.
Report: {"hour": 5, "minute": 9}
